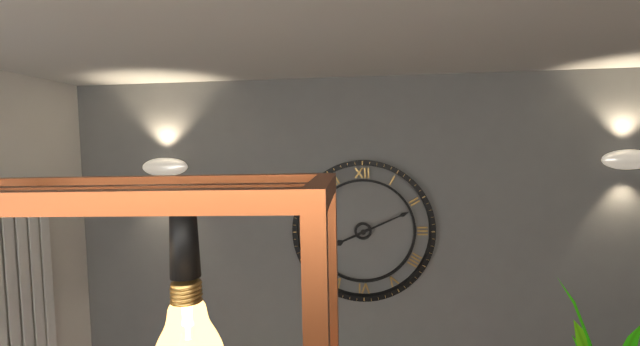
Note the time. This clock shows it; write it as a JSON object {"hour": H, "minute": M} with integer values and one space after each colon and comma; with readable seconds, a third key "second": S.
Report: {"hour": 8, "minute": 11}
